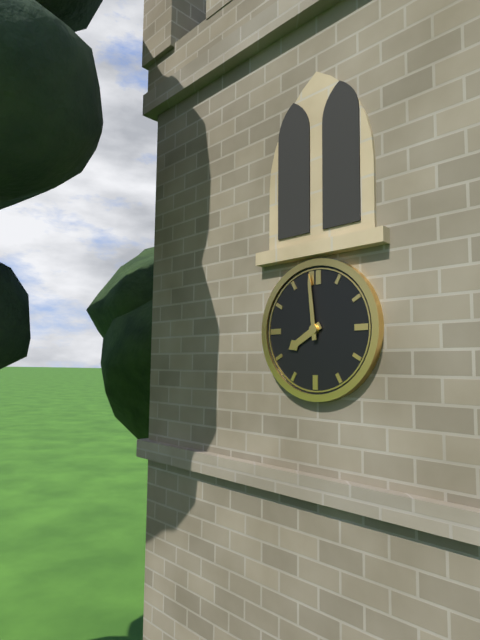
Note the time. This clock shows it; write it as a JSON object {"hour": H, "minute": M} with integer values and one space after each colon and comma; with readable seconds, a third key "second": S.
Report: {"hour": 7, "minute": 59}
